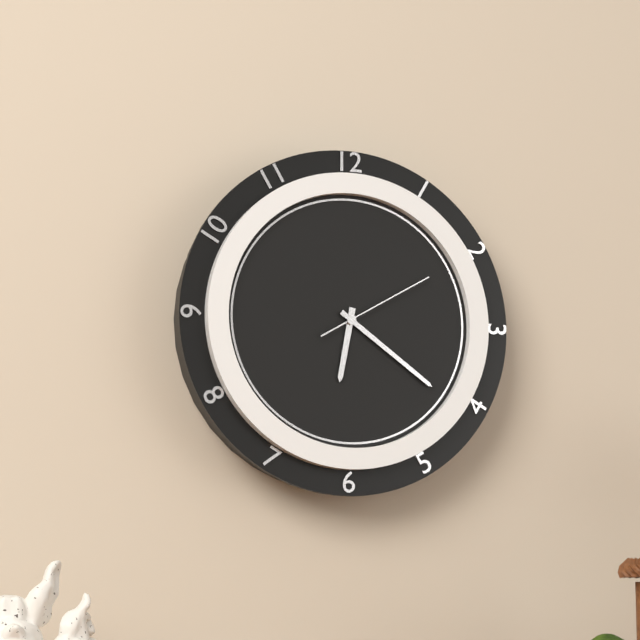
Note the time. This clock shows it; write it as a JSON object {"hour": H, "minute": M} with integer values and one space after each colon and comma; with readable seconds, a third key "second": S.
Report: {"hour": 6, "minute": 21, "second": 10}
